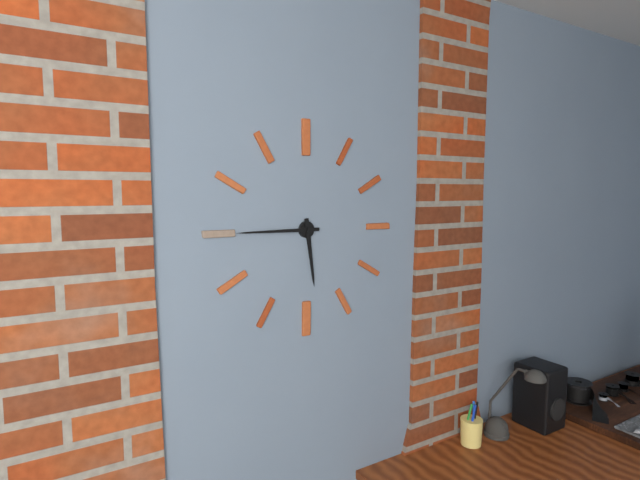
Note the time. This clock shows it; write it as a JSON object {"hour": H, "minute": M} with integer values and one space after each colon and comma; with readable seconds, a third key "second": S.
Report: {"hour": 5, "minute": 45}
